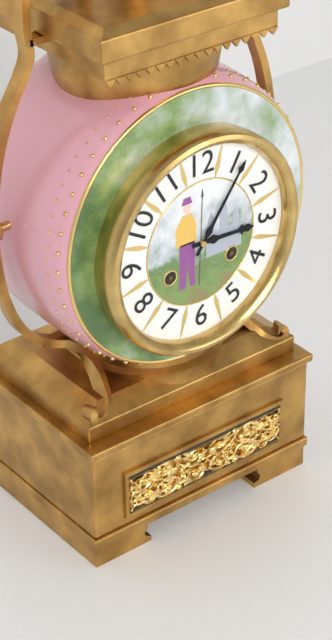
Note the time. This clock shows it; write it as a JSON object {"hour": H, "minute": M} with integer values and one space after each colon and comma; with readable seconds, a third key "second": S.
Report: {"hour": 3, "minute": 6}
